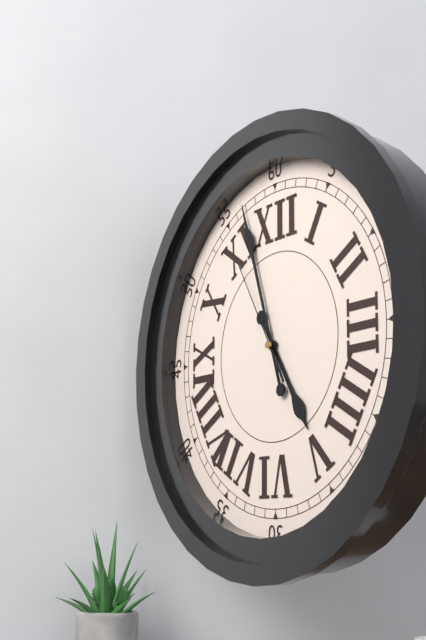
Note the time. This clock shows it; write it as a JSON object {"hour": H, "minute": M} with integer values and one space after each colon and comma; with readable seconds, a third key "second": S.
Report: {"hour": 4, "minute": 57, "second": 55}
